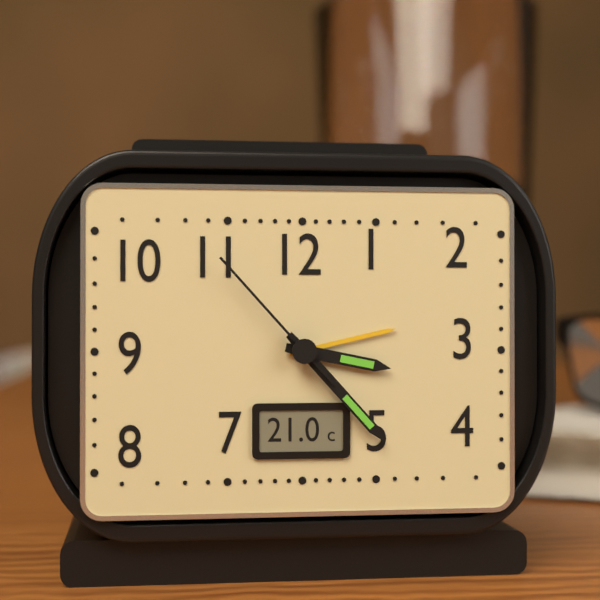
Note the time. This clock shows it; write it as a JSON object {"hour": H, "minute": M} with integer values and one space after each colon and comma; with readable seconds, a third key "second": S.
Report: {"hour": 3, "minute": 23, "second": 53}
